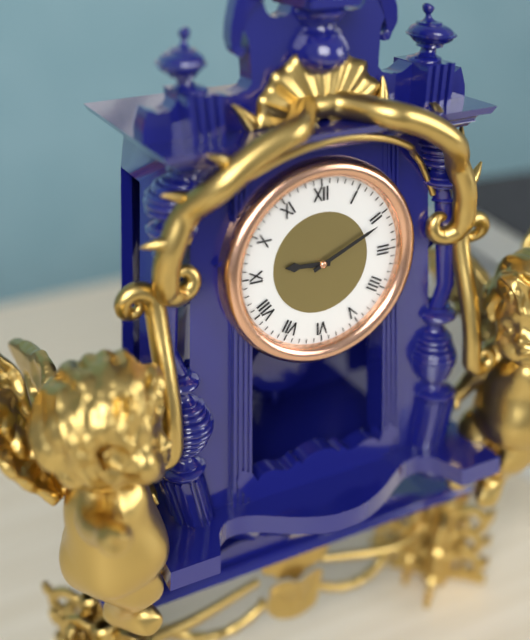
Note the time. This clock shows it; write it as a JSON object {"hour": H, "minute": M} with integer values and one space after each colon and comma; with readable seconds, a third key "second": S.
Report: {"hour": 9, "minute": 11}
